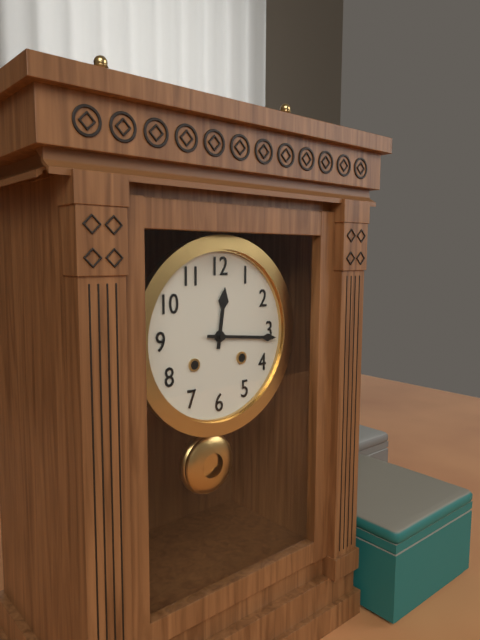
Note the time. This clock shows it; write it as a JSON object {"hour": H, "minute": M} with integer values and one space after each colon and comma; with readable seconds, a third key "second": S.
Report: {"hour": 12, "minute": 16}
